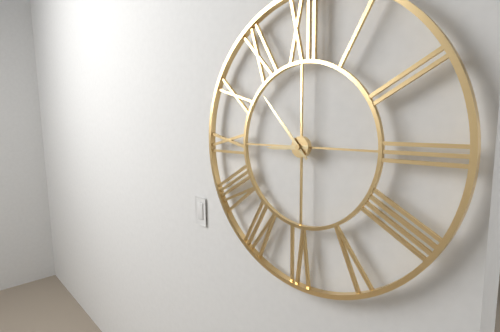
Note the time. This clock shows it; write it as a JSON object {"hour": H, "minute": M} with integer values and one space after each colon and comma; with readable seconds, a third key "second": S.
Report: {"hour": 8, "minute": 53}
